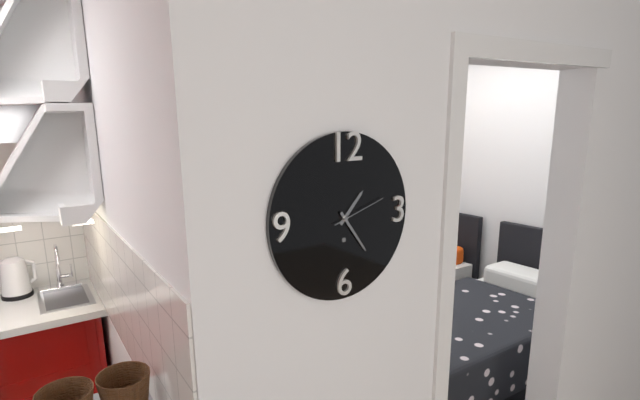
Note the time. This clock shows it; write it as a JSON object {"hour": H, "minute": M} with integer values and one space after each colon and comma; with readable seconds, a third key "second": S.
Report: {"hour": 1, "minute": 24, "second": 12}
